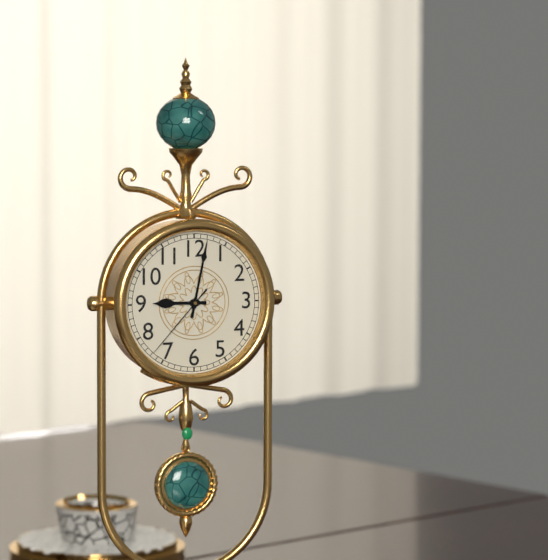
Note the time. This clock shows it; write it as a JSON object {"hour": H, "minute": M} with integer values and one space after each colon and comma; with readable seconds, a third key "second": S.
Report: {"hour": 9, "minute": 2, "second": 37}
